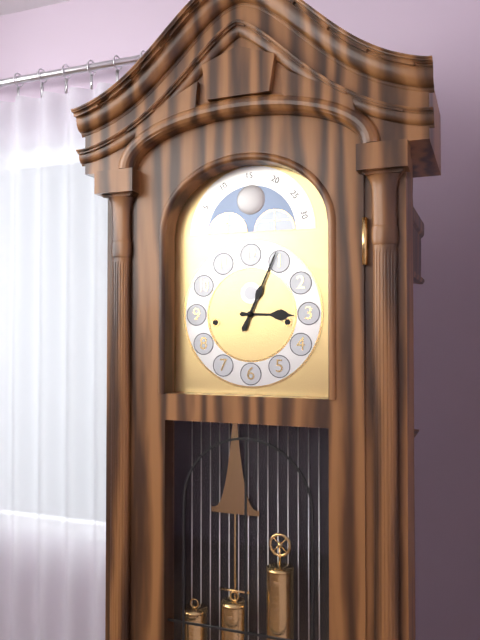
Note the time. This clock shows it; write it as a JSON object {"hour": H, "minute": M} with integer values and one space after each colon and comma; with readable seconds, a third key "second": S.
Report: {"hour": 3, "minute": 4}
